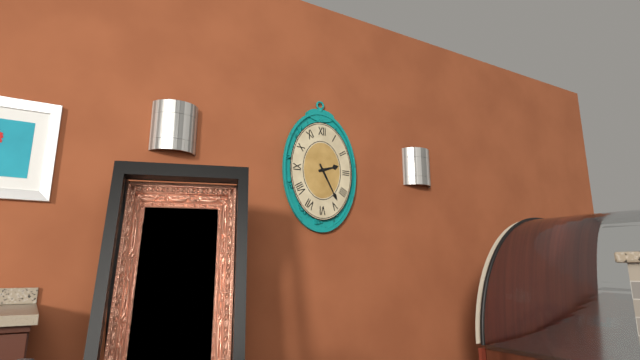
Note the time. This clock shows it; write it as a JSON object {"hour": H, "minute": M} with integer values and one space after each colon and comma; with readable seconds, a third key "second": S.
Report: {"hour": 2, "minute": 25}
